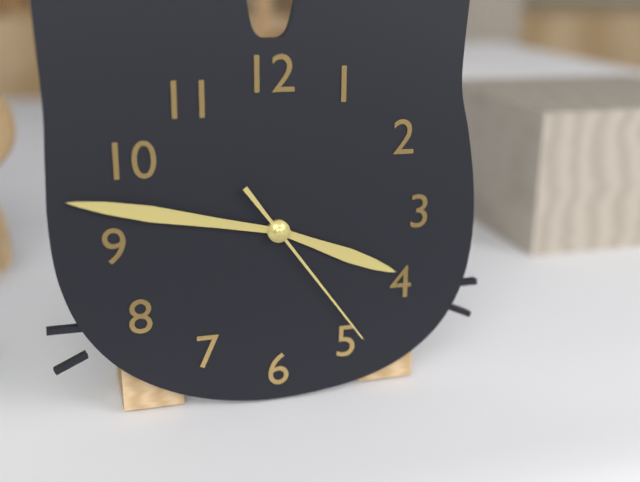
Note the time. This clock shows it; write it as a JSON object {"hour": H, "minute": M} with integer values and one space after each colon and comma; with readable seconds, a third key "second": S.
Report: {"hour": 3, "minute": 47, "second": 24}
